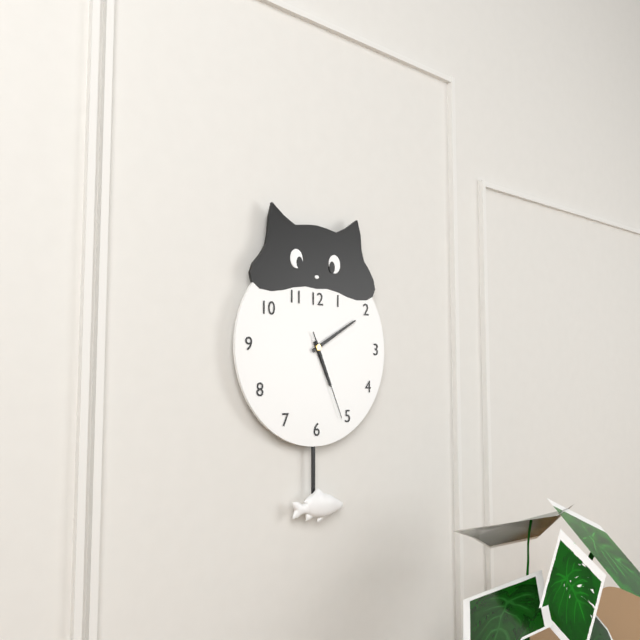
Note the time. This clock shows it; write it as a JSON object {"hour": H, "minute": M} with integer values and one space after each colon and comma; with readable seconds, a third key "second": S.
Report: {"hour": 5, "minute": 10, "second": 26}
